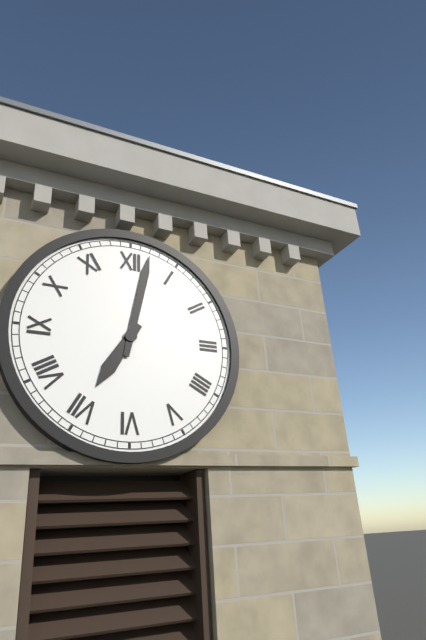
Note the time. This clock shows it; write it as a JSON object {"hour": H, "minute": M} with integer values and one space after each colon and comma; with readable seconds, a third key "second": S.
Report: {"hour": 7, "minute": 2}
